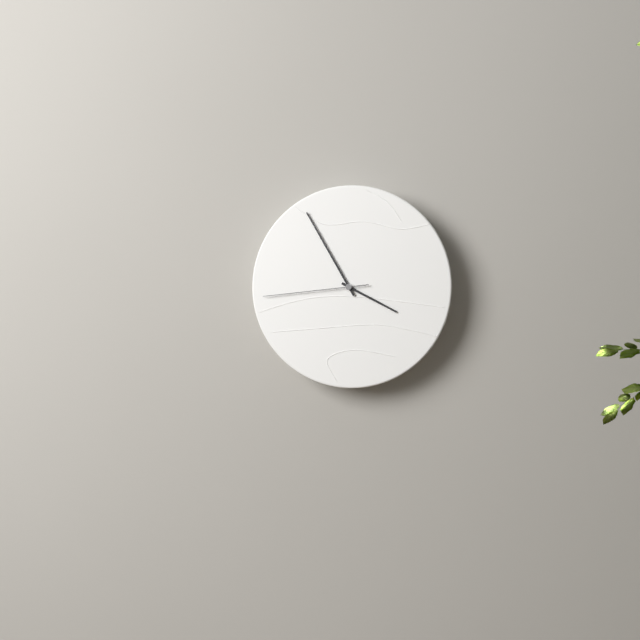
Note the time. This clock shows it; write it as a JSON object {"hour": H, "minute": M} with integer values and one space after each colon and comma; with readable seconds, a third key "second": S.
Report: {"hour": 3, "minute": 55, "second": 44}
